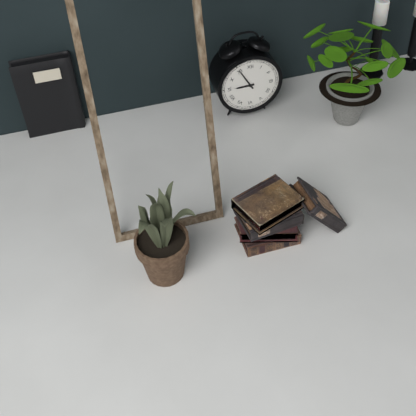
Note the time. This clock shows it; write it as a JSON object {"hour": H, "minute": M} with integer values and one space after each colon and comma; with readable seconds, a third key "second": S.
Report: {"hour": 8, "minute": 55}
